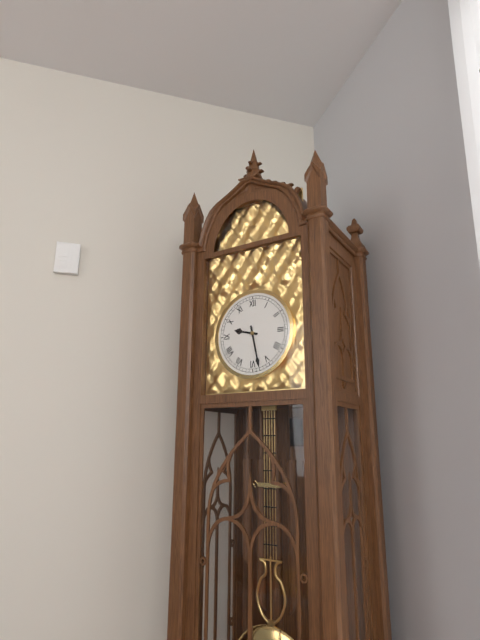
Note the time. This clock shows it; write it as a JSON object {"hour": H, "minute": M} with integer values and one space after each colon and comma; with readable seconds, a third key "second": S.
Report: {"hour": 9, "minute": 28}
